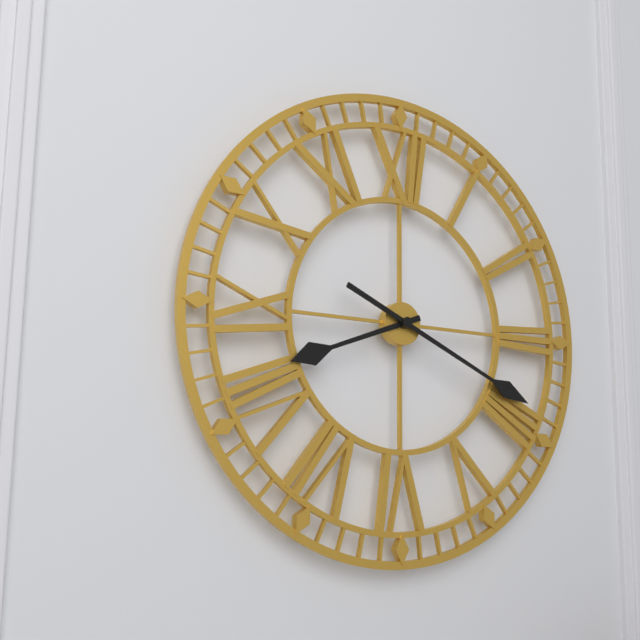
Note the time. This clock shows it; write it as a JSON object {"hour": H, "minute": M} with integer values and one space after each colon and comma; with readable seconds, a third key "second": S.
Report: {"hour": 8, "minute": 19}
